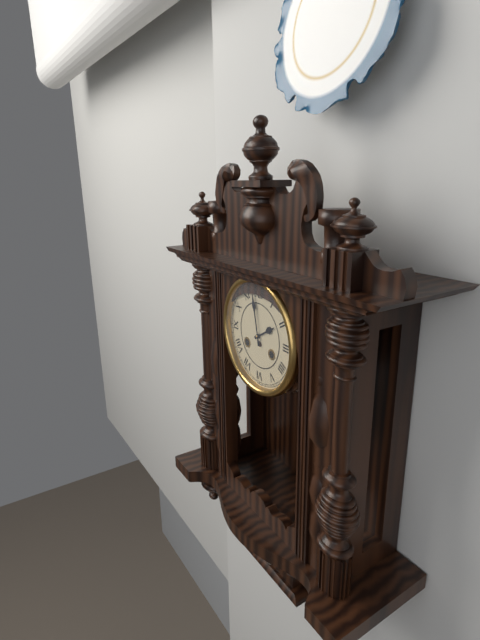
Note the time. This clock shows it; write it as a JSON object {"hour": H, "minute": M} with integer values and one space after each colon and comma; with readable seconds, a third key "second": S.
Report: {"hour": 1, "minute": 58}
